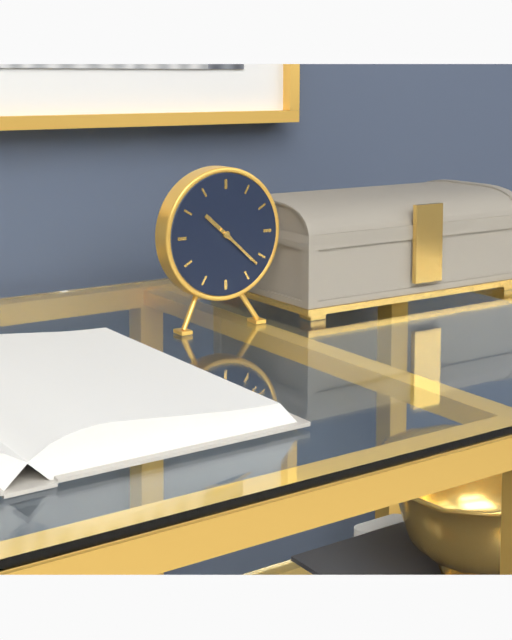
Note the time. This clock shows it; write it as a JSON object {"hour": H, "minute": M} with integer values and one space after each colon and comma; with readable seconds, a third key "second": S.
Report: {"hour": 10, "minute": 22}
